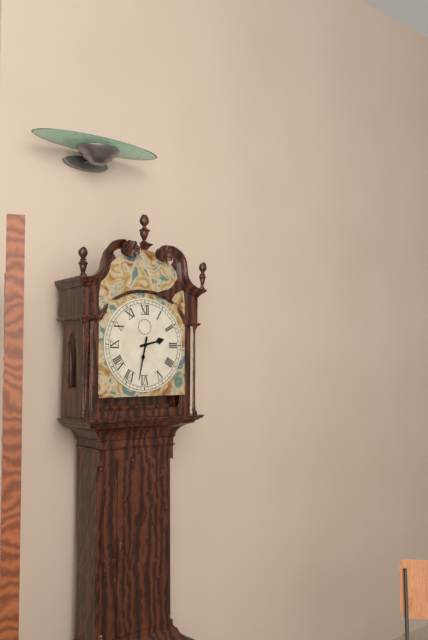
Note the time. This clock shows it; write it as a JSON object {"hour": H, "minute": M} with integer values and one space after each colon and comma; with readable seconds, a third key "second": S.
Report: {"hour": 2, "minute": 32}
